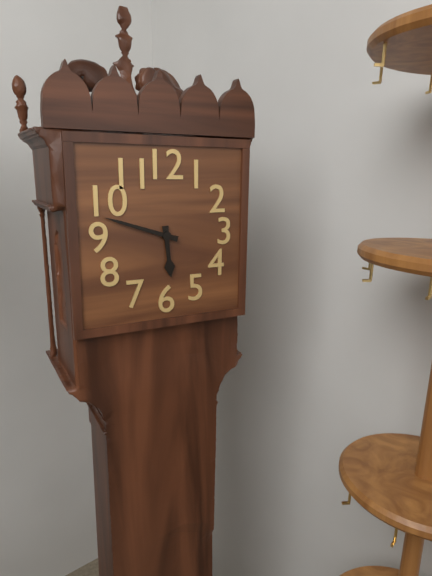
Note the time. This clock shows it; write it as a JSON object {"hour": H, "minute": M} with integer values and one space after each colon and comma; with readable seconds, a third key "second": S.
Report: {"hour": 5, "minute": 48}
